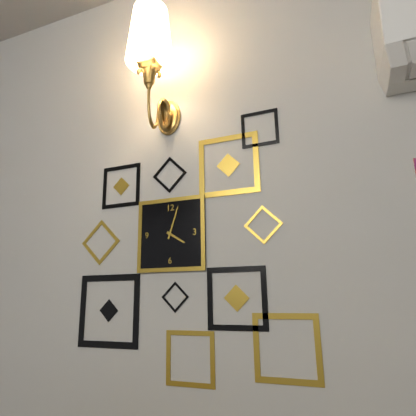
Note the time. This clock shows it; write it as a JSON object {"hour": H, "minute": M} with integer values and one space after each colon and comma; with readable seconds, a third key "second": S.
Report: {"hour": 4, "minute": 3}
